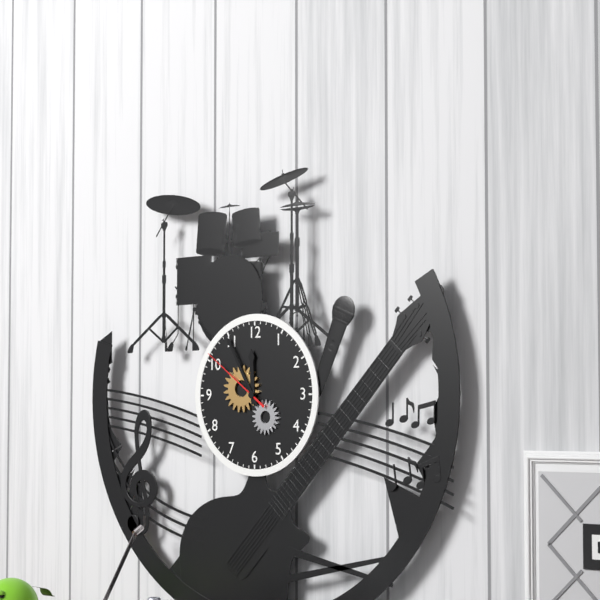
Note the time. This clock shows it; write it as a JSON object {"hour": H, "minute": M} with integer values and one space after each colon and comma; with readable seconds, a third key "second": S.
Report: {"hour": 11, "minute": 55, "second": 51}
